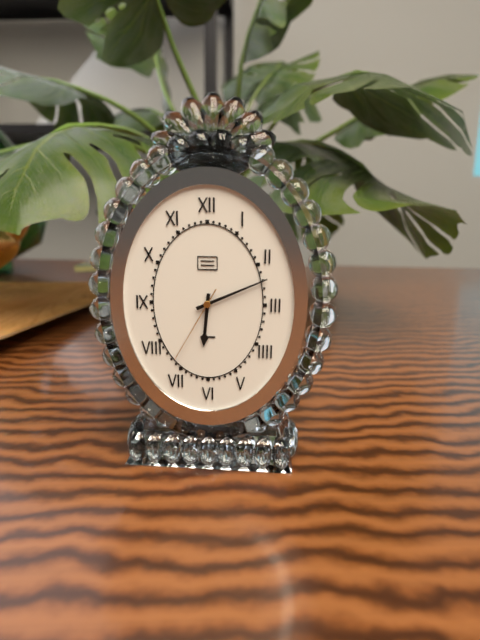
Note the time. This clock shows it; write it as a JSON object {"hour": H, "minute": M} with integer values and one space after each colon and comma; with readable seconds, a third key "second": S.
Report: {"hour": 6, "minute": 11, "second": 35}
